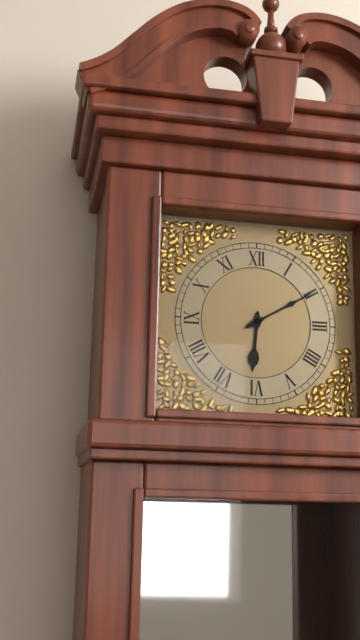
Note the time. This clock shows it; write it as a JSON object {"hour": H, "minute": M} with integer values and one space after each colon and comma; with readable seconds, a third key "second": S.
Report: {"hour": 6, "minute": 10}
